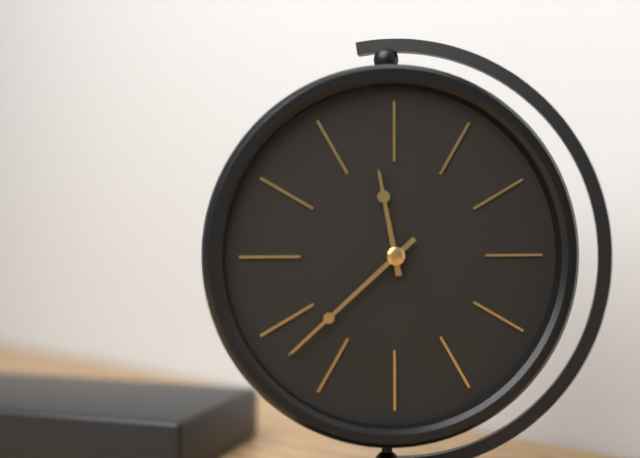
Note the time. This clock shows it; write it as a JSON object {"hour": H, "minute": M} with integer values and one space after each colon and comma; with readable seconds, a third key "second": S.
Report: {"hour": 11, "minute": 38}
